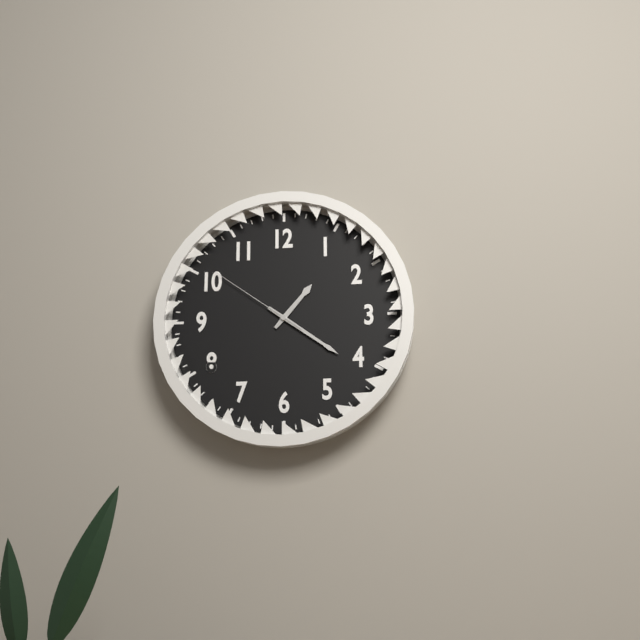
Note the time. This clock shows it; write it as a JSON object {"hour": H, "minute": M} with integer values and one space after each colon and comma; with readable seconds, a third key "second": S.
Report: {"hour": 1, "minute": 21, "second": 51}
